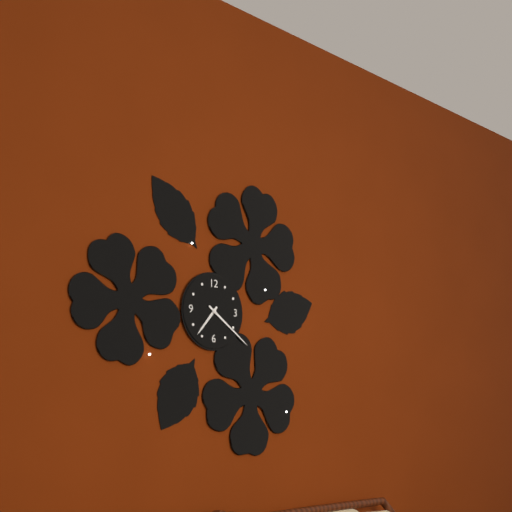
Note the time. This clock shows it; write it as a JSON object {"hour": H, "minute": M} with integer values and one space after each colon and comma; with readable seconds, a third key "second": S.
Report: {"hour": 7, "minute": 21}
